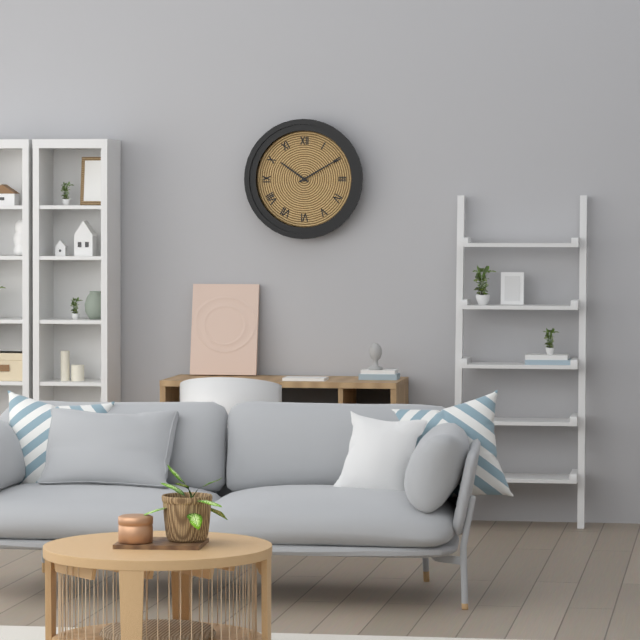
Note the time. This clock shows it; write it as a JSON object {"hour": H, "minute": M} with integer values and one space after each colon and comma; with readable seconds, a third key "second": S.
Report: {"hour": 10, "minute": 10}
